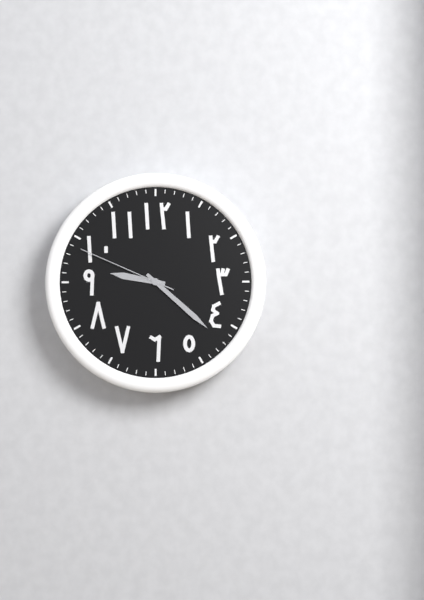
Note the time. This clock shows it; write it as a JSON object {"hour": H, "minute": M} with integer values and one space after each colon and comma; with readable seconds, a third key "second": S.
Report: {"hour": 9, "minute": 22, "second": 49}
